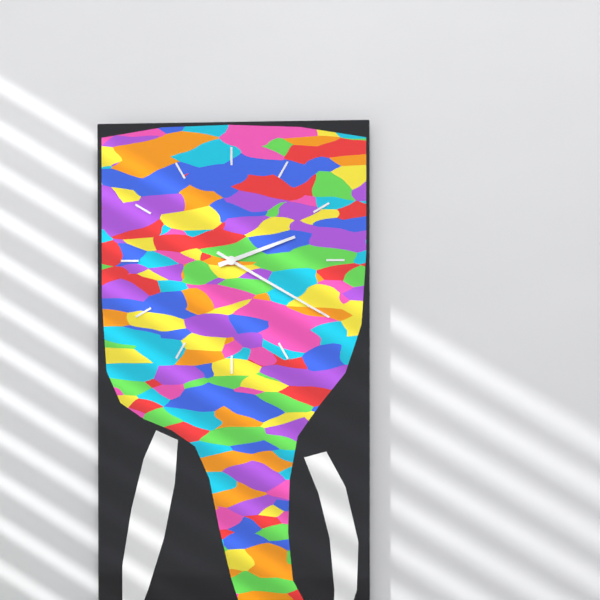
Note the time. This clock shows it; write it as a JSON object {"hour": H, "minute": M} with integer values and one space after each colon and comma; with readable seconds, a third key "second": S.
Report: {"hour": 2, "minute": 20}
